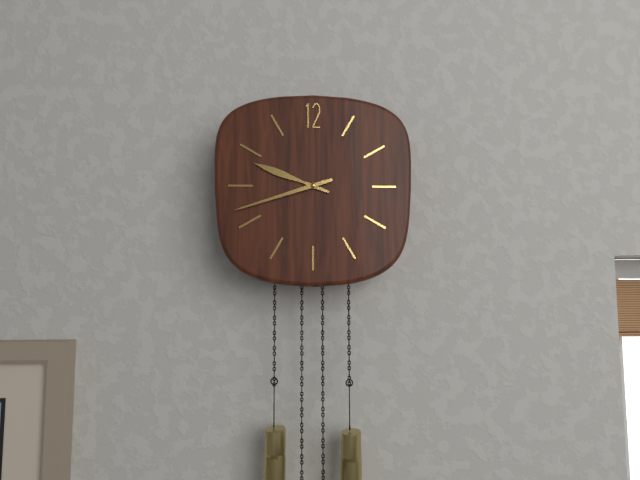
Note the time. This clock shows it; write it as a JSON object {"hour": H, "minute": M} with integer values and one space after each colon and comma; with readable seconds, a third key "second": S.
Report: {"hour": 9, "minute": 42}
